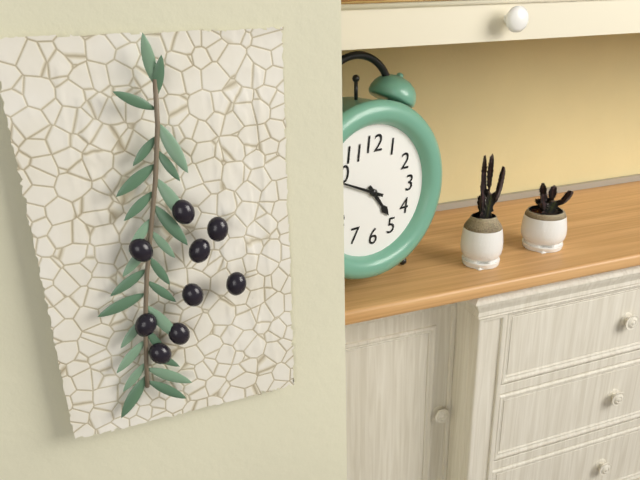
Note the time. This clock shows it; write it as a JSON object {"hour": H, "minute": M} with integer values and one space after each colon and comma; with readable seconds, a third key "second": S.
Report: {"hour": 4, "minute": 49}
